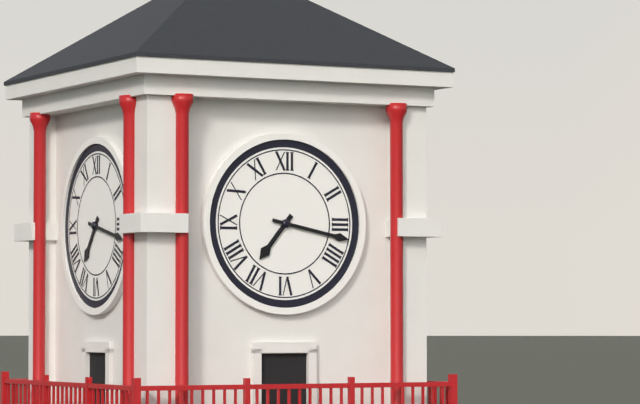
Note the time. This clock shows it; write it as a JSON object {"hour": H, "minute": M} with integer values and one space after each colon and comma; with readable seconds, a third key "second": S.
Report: {"hour": 7, "minute": 17}
